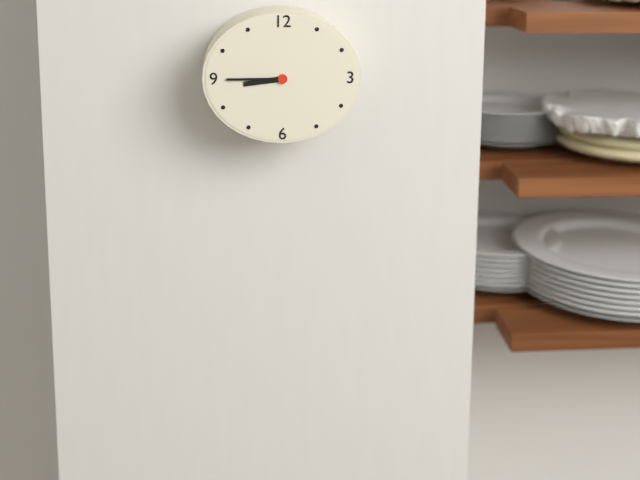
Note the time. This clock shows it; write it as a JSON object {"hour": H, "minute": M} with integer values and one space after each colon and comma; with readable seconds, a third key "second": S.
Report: {"hour": 8, "minute": 45}
